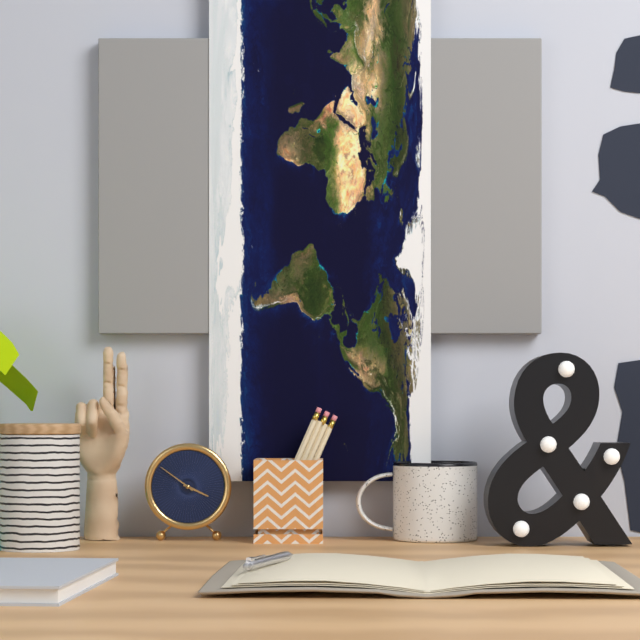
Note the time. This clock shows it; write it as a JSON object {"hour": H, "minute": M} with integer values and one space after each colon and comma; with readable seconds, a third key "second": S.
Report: {"hour": 3, "minute": 51}
